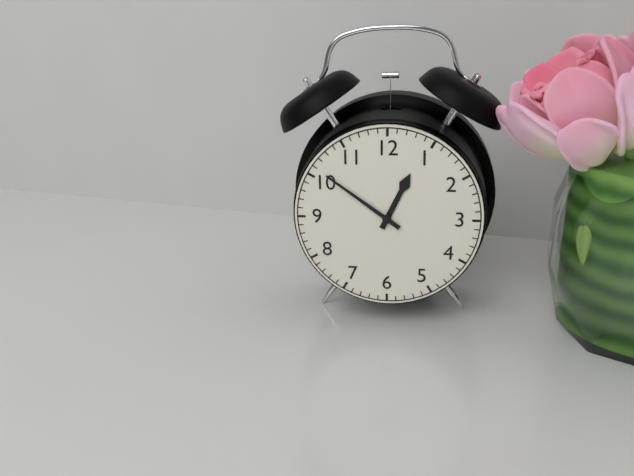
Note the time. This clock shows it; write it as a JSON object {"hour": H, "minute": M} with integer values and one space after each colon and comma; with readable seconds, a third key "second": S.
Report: {"hour": 12, "minute": 51}
